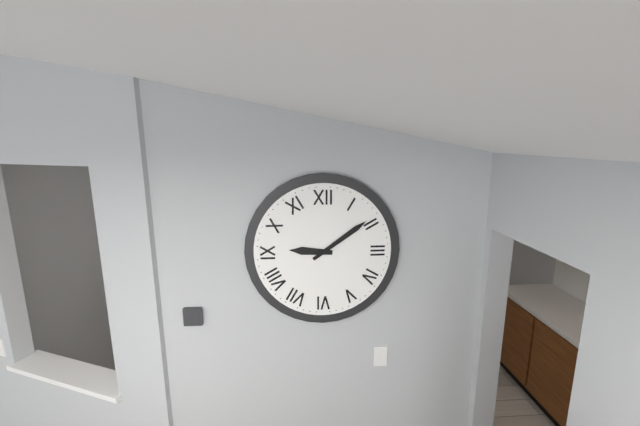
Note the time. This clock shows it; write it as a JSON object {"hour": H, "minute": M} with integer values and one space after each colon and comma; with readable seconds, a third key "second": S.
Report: {"hour": 9, "minute": 9}
